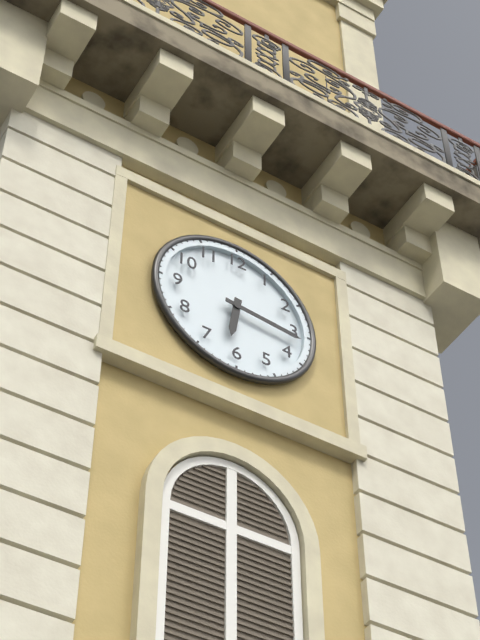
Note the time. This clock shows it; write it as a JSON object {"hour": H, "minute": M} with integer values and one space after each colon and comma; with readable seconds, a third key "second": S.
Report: {"hour": 6, "minute": 16}
